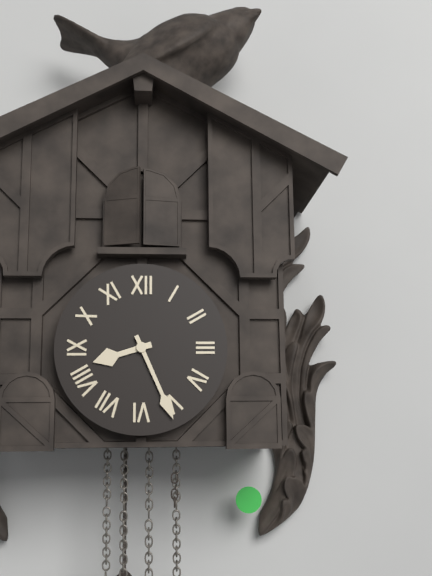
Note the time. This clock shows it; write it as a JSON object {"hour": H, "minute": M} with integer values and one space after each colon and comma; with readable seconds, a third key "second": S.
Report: {"hour": 8, "minute": 26}
